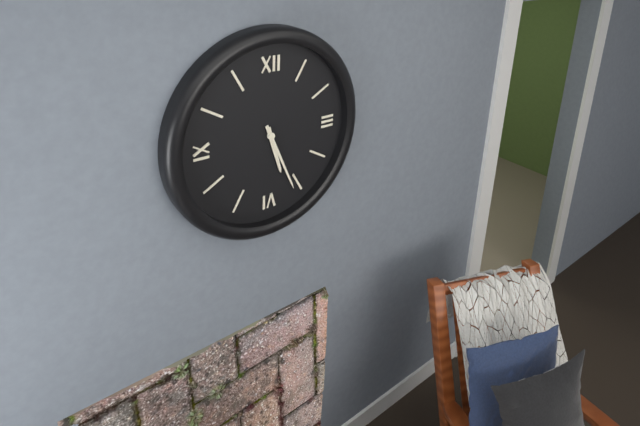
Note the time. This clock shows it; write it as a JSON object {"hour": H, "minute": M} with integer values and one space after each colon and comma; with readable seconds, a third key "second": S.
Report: {"hour": 5, "minute": 26}
